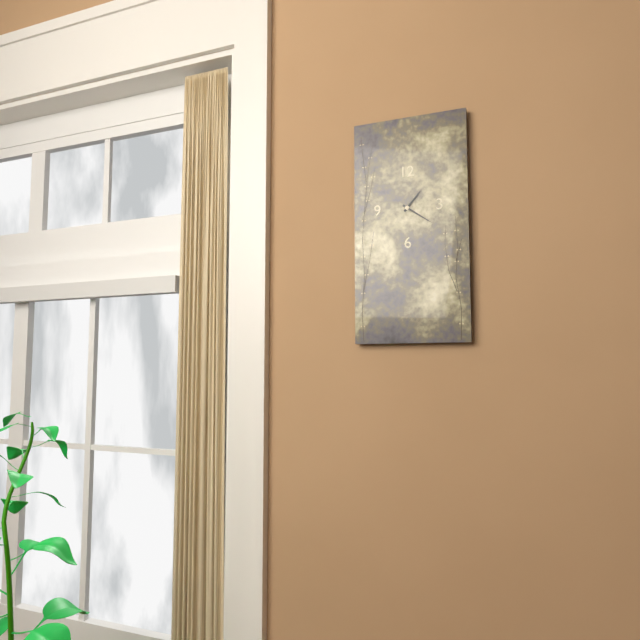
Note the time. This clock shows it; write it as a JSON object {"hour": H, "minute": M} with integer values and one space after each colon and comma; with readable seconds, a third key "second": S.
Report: {"hour": 1, "minute": 21}
